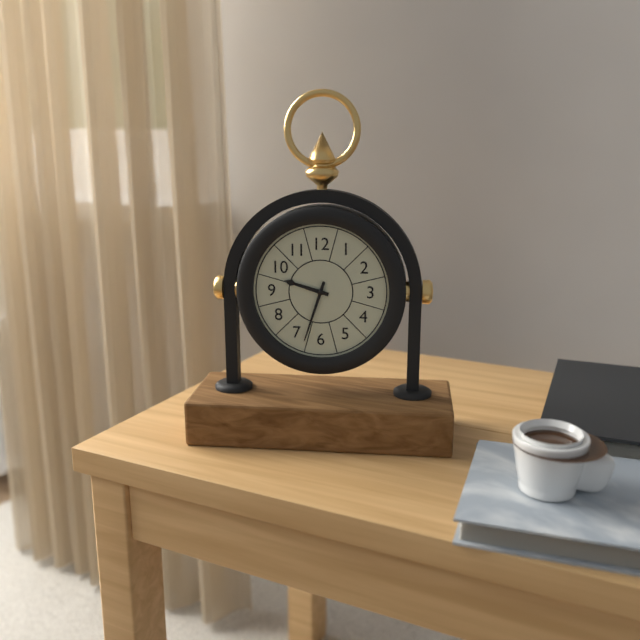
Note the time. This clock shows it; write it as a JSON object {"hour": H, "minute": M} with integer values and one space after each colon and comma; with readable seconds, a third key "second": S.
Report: {"hour": 9, "minute": 33}
